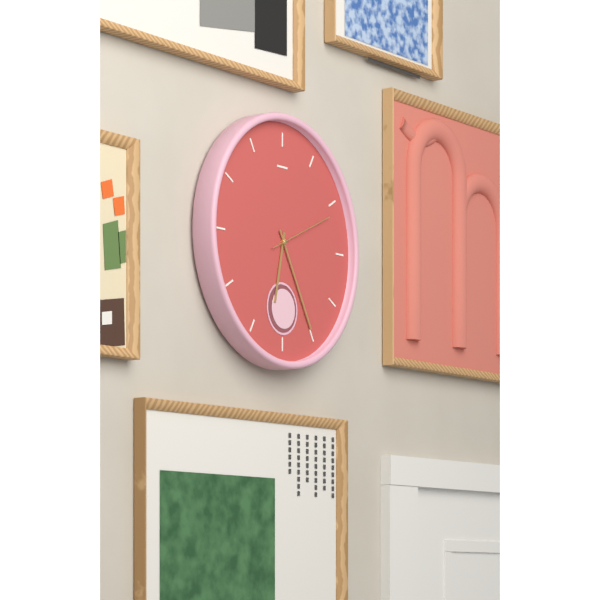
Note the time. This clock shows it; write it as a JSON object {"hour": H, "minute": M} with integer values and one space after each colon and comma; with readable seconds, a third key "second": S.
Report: {"hour": 6, "minute": 25, "second": 11}
